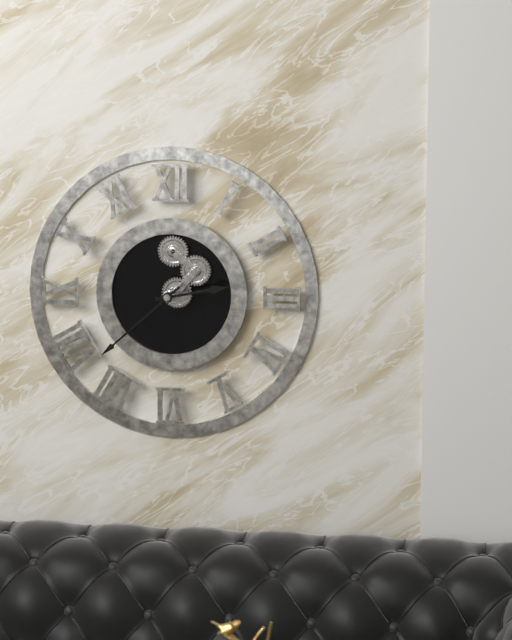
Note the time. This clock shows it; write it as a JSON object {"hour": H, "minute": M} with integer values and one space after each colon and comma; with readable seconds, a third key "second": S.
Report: {"hour": 2, "minute": 38}
